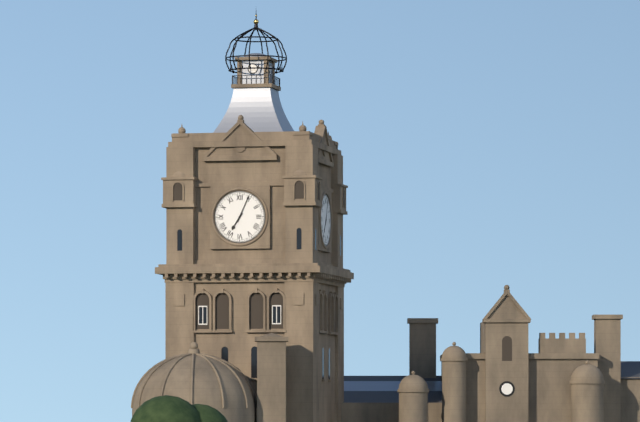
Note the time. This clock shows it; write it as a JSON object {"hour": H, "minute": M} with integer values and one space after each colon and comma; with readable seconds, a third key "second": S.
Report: {"hour": 7, "minute": 4}
